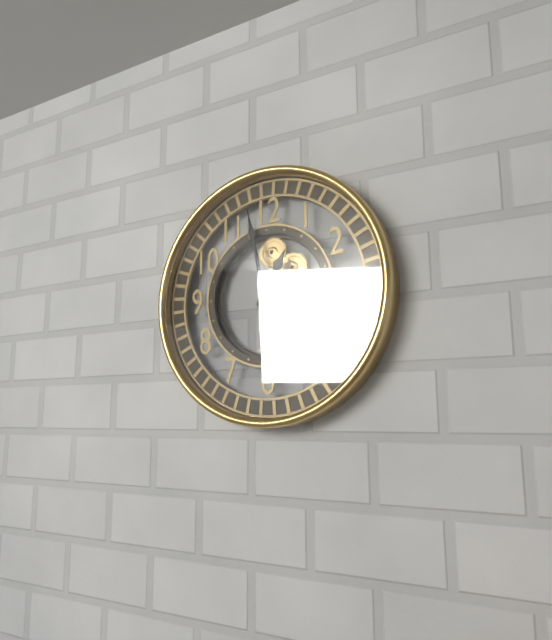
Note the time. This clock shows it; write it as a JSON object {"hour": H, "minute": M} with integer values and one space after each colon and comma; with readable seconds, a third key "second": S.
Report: {"hour": 12, "minute": 58}
